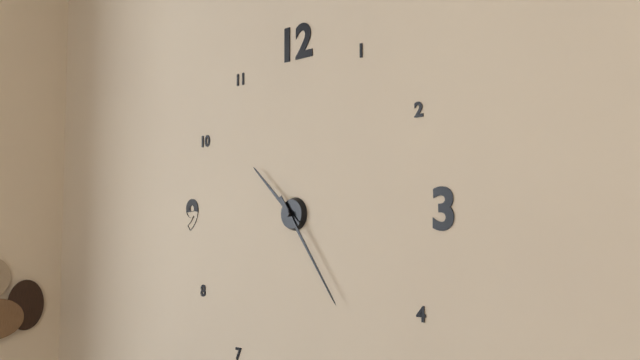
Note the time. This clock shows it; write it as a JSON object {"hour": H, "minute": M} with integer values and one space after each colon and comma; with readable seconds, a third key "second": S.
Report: {"hour": 10, "minute": 24}
